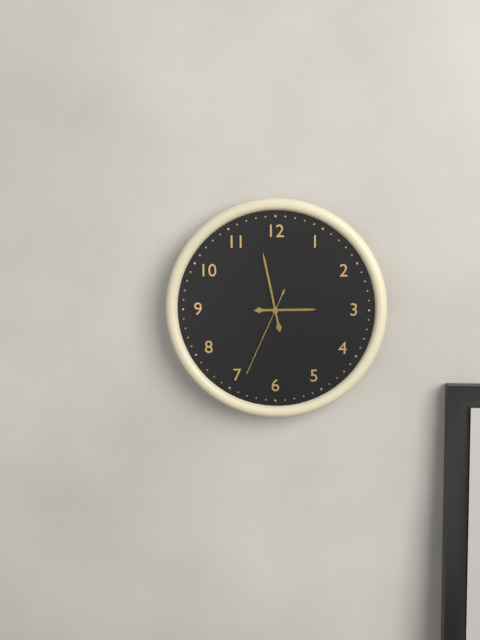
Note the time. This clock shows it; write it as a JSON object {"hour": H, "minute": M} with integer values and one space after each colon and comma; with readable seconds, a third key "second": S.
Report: {"hour": 2, "minute": 58, "second": 34}
